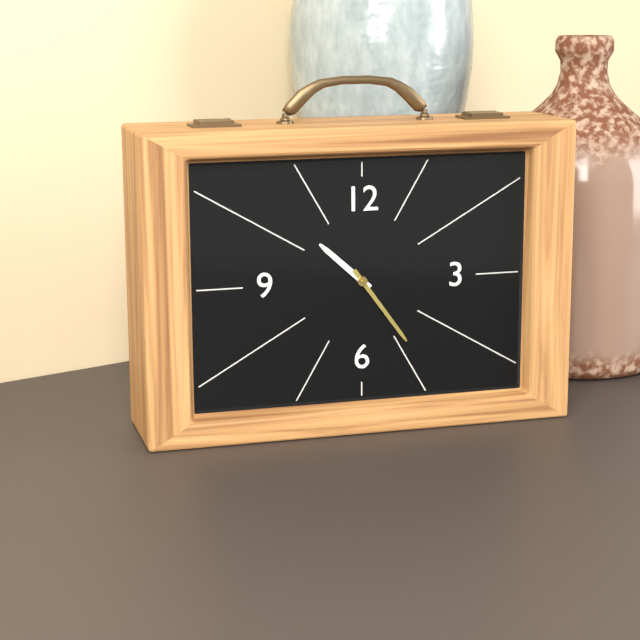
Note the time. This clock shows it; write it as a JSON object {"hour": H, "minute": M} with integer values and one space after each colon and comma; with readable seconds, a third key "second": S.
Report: {"hour": 10, "minute": 24}
